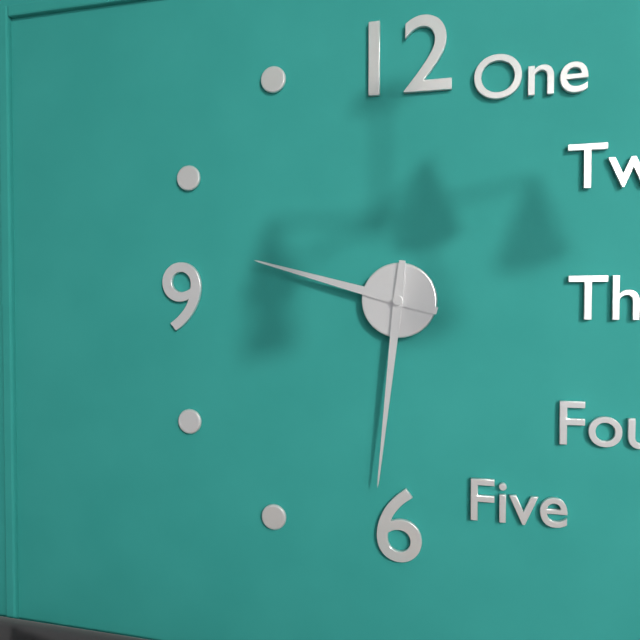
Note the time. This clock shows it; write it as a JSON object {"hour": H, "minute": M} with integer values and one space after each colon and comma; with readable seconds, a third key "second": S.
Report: {"hour": 9, "minute": 31}
